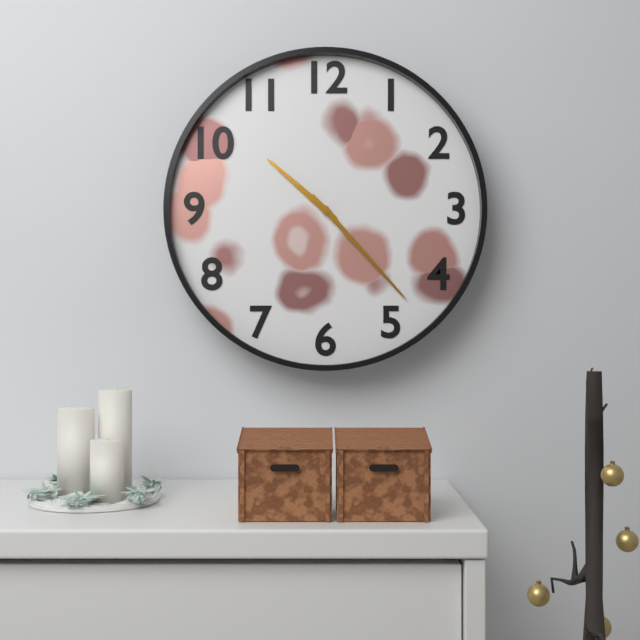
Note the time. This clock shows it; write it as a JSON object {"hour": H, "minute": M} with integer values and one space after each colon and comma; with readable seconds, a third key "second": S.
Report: {"hour": 10, "minute": 23}
